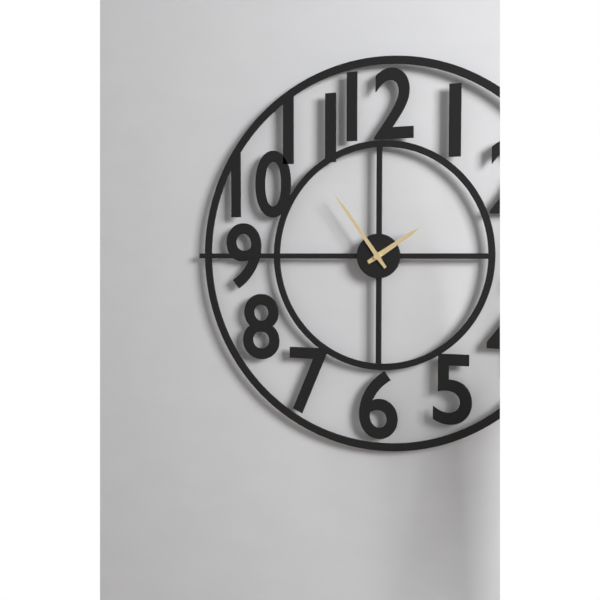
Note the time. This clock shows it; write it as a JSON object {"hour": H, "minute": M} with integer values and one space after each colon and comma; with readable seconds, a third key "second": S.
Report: {"hour": 1, "minute": 54}
